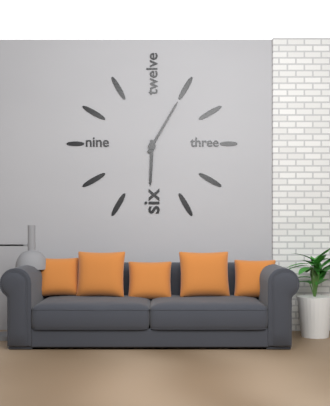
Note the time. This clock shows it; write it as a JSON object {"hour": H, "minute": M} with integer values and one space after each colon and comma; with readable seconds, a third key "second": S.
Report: {"hour": 6, "minute": 5}
